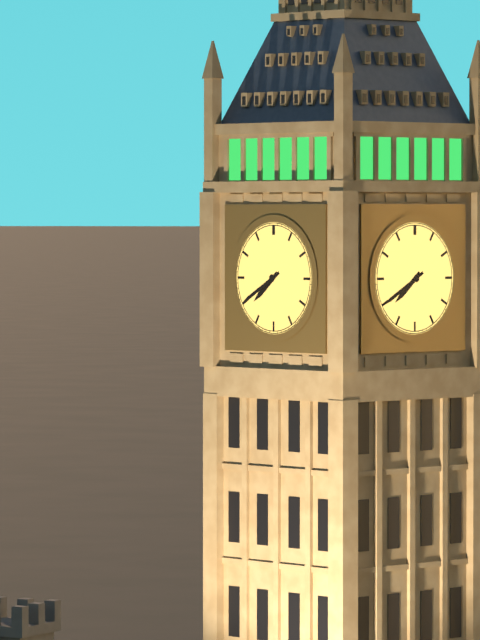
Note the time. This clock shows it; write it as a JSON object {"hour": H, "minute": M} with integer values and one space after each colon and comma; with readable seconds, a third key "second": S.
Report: {"hour": 7, "minute": 40}
